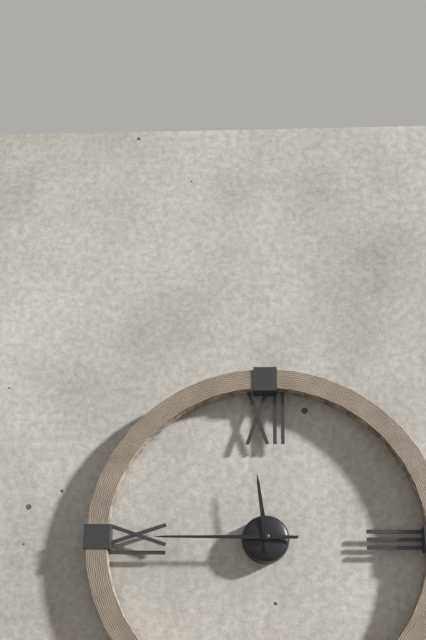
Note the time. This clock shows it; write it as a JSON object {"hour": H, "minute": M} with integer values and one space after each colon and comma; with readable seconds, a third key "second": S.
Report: {"hour": 11, "minute": 45}
